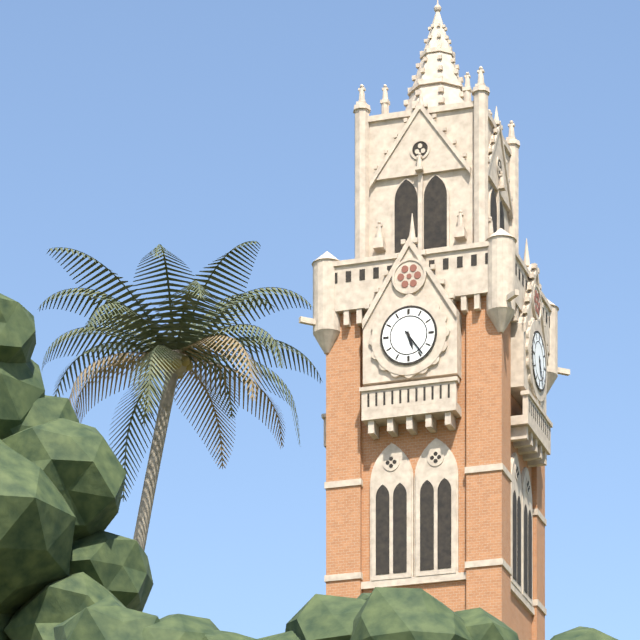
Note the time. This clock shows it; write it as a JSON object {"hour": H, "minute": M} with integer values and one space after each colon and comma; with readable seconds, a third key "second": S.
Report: {"hour": 5, "minute": 24}
